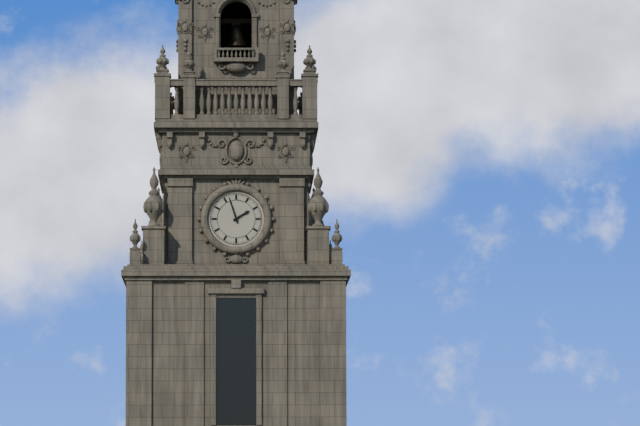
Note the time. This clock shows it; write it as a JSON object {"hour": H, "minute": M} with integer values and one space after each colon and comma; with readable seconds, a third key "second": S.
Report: {"hour": 1, "minute": 57}
